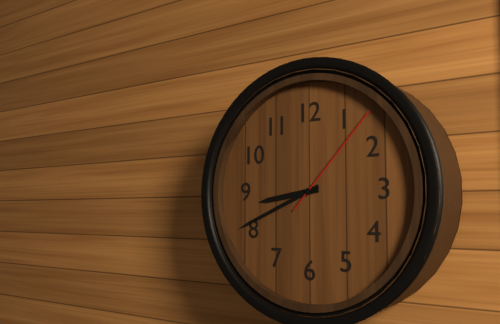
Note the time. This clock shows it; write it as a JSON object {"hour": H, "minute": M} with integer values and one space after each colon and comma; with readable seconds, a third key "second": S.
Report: {"hour": 8, "minute": 41, "second": 7}
